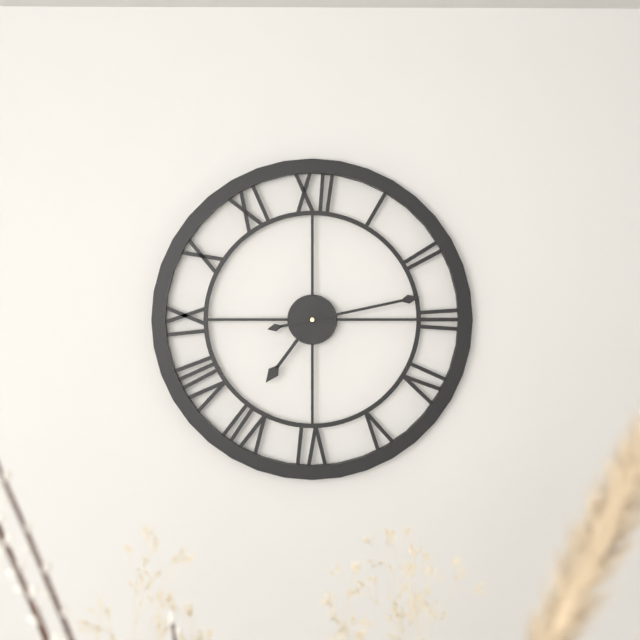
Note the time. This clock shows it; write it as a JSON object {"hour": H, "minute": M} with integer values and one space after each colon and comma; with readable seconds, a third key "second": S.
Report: {"hour": 7, "minute": 13}
